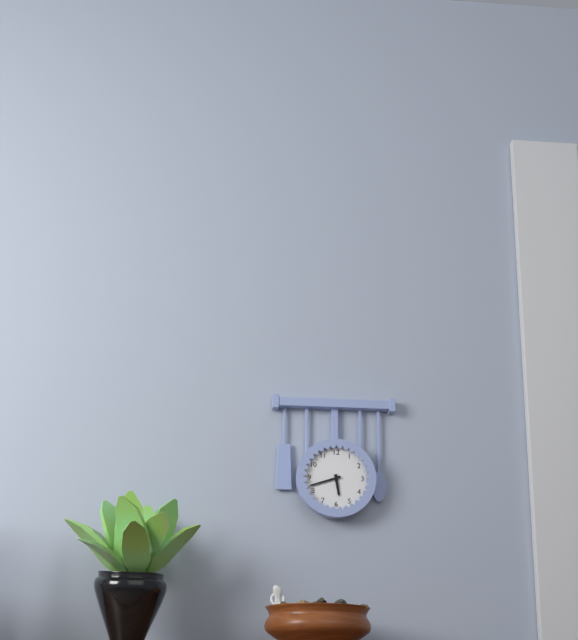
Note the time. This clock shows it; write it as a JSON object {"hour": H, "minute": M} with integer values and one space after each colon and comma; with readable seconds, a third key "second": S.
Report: {"hour": 5, "minute": 42}
